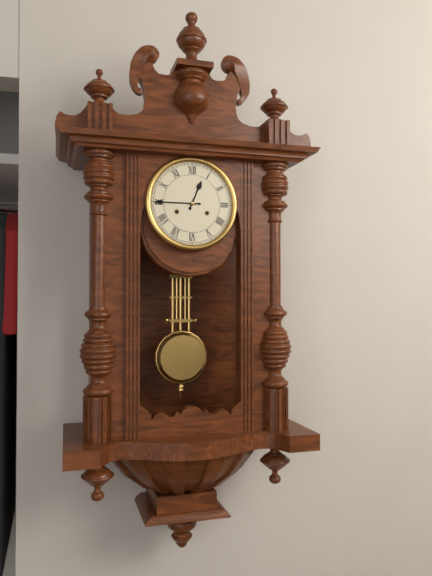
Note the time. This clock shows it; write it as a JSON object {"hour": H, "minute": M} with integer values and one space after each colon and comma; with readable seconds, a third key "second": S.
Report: {"hour": 12, "minute": 45}
